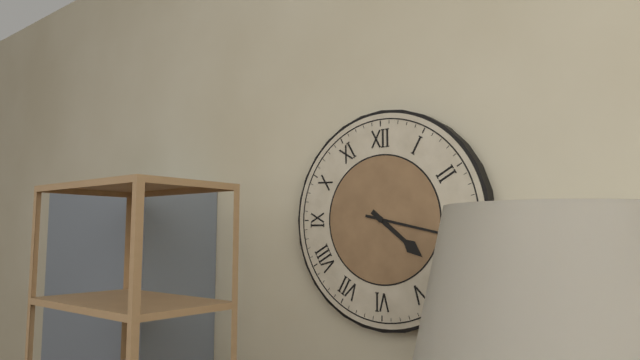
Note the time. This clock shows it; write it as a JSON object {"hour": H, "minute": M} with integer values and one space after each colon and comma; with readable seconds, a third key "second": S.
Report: {"hour": 4, "minute": 17}
